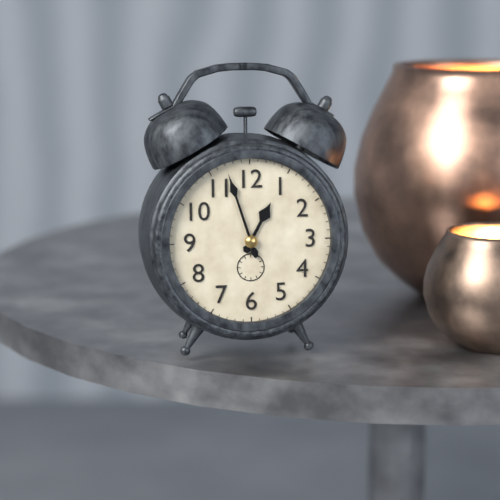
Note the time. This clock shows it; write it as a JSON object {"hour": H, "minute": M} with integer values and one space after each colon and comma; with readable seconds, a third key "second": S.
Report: {"hour": 12, "minute": 57}
